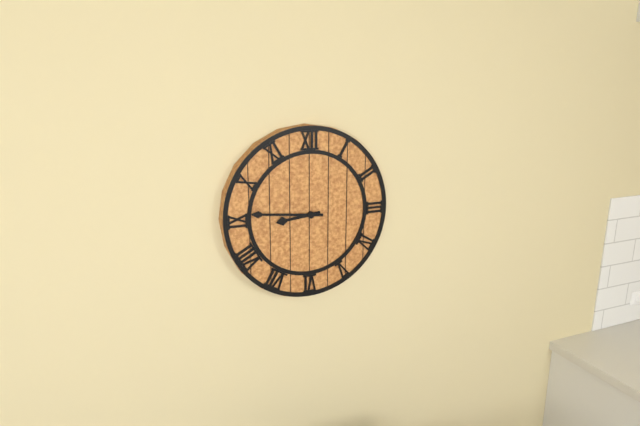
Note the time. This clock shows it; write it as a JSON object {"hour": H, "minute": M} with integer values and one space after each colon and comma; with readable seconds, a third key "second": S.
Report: {"hour": 8, "minute": 46}
